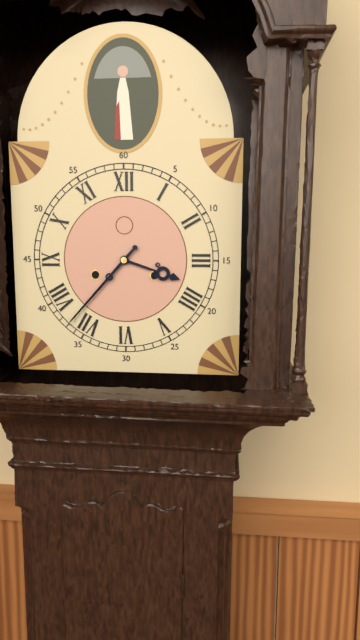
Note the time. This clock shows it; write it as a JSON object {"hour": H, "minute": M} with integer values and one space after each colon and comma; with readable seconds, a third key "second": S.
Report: {"hour": 3, "minute": 37}
